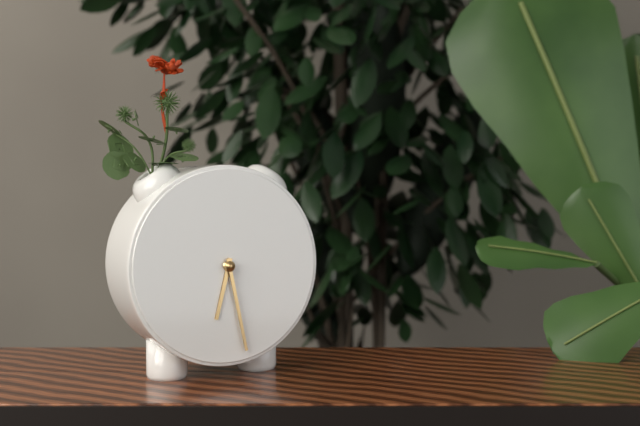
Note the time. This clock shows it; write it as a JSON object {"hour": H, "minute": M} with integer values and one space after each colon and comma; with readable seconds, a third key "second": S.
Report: {"hour": 6, "minute": 28}
